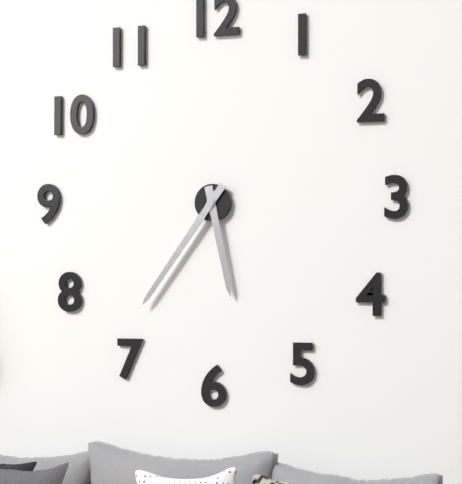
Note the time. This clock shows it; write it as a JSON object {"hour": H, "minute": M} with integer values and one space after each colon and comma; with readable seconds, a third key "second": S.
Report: {"hour": 5, "minute": 36}
